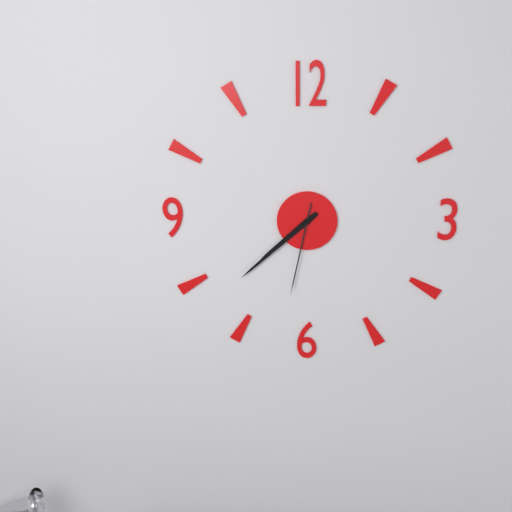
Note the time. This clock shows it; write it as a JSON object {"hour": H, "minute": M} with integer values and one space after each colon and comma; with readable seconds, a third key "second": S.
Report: {"hour": 7, "minute": 38, "second": 32}
